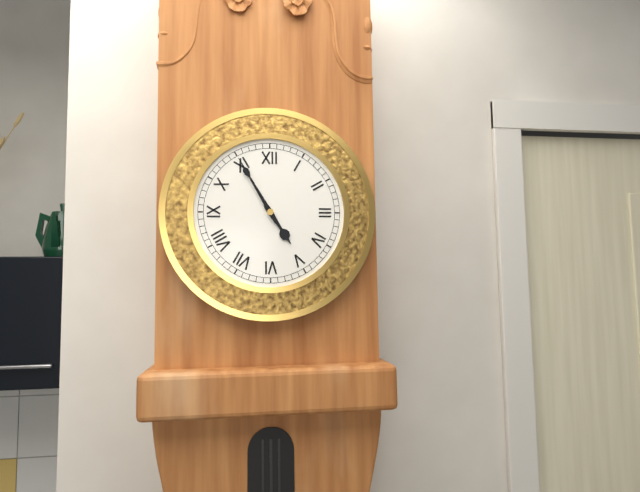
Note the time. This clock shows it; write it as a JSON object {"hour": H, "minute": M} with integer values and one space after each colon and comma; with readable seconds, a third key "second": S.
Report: {"hour": 4, "minute": 55}
